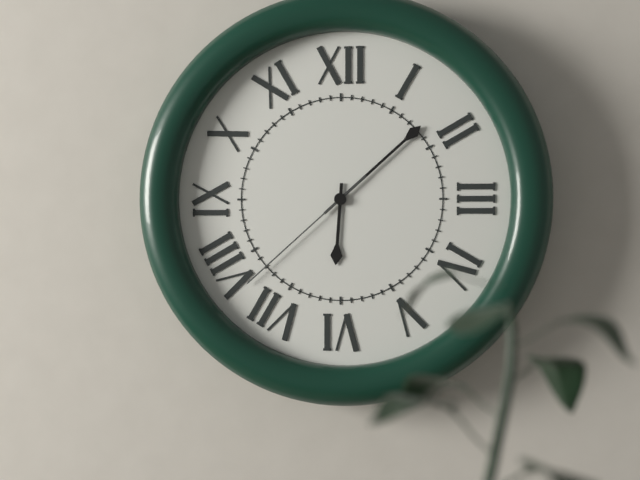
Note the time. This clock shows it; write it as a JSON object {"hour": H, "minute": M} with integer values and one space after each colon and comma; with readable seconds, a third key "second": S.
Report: {"hour": 6, "minute": 8, "second": 38}
